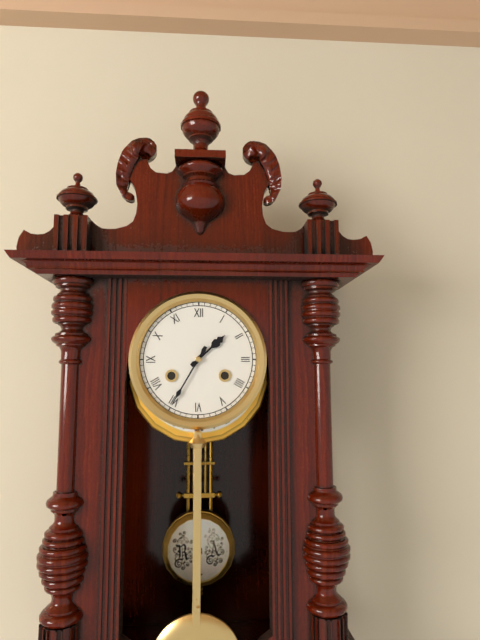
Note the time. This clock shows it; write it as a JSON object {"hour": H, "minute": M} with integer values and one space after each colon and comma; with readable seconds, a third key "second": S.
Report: {"hour": 1, "minute": 35}
